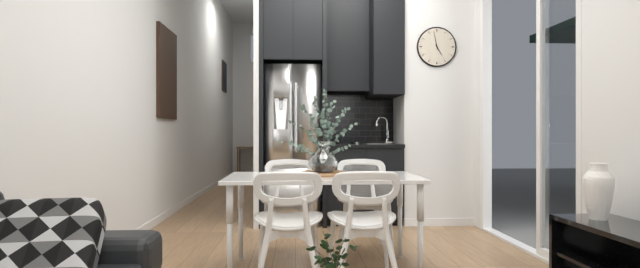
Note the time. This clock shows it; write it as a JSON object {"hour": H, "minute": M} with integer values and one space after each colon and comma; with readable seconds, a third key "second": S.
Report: {"hour": 4, "minute": 58}
